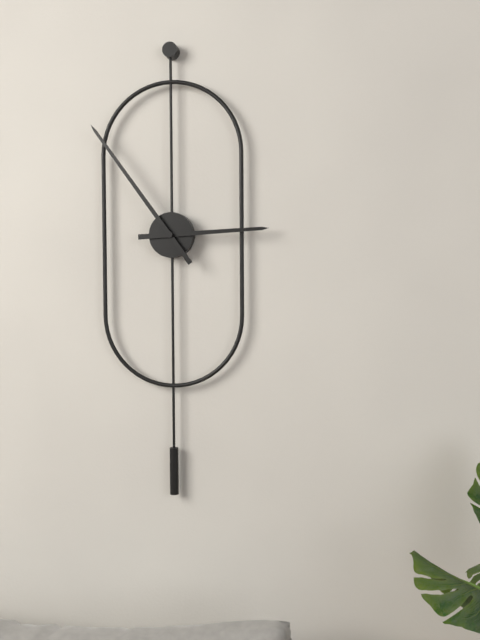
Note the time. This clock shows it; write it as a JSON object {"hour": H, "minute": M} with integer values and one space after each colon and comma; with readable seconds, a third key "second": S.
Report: {"hour": 2, "minute": 54}
